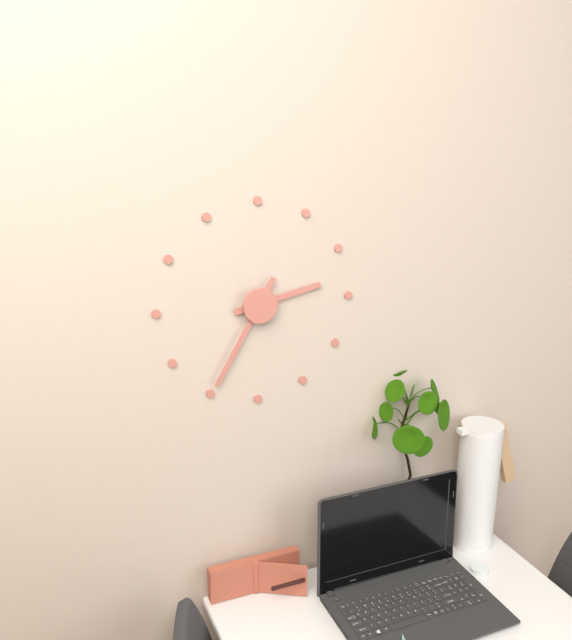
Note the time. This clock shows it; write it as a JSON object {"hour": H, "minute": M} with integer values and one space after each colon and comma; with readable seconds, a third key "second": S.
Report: {"hour": 2, "minute": 35}
